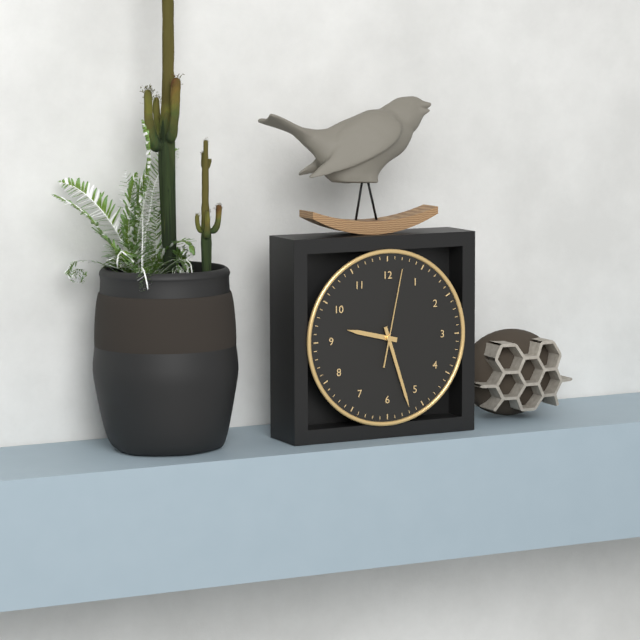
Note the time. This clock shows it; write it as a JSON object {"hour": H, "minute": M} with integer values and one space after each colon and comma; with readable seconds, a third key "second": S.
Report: {"hour": 9, "minute": 27, "second": 2}
